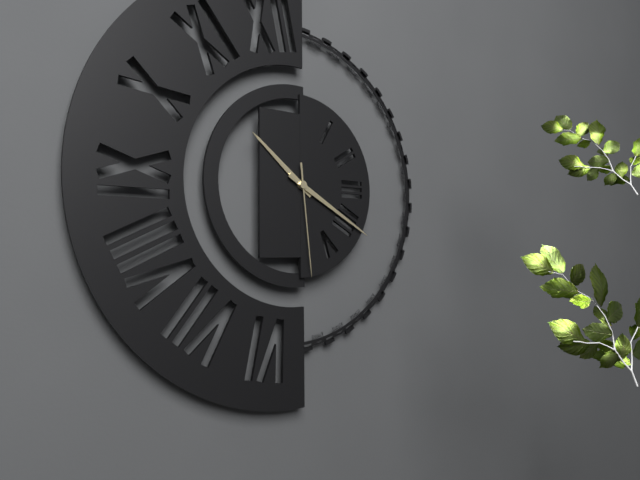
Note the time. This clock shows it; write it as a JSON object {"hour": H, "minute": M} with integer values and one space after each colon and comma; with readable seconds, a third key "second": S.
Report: {"hour": 10, "minute": 20, "second": 29}
